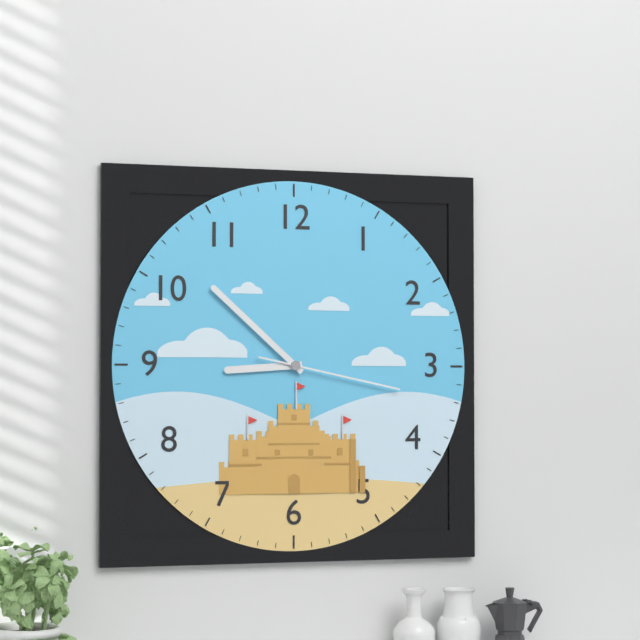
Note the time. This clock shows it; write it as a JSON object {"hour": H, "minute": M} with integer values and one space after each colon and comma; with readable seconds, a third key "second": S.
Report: {"hour": 8, "minute": 52, "second": 17}
